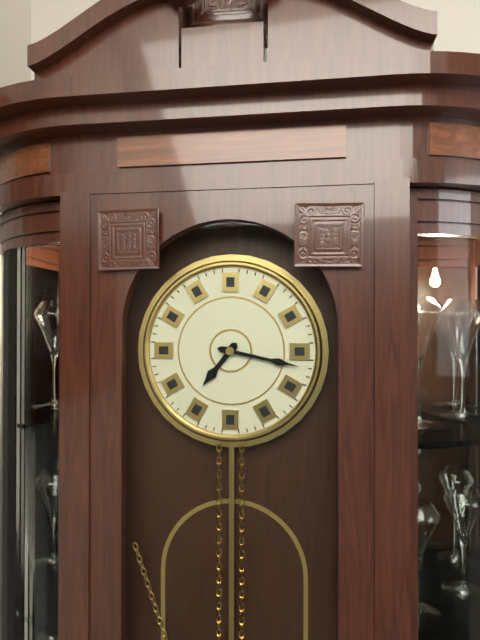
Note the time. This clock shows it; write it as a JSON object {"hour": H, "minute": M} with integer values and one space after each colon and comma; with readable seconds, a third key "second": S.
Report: {"hour": 7, "minute": 17}
